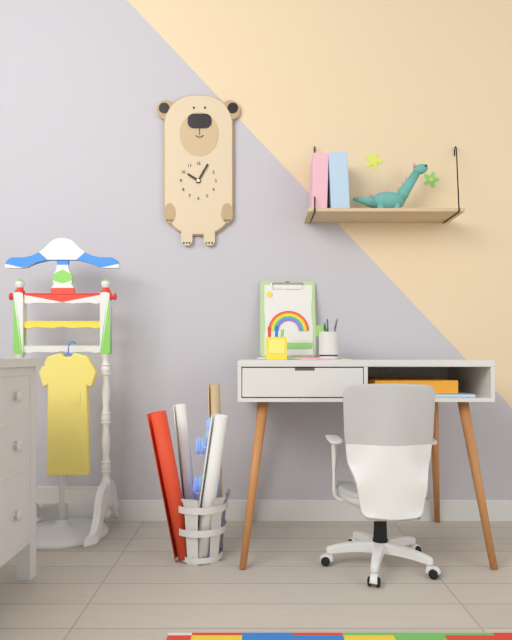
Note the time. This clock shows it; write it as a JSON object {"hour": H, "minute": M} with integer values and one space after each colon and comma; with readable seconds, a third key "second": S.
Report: {"hour": 10, "minute": 5}
